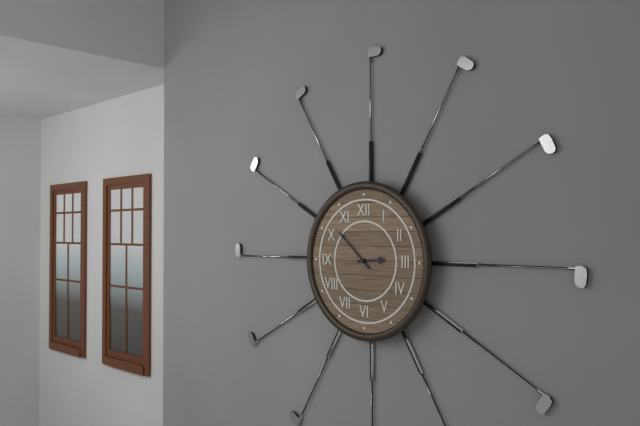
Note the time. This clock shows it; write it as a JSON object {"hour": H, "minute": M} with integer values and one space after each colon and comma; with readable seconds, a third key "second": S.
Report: {"hour": 2, "minute": 52}
